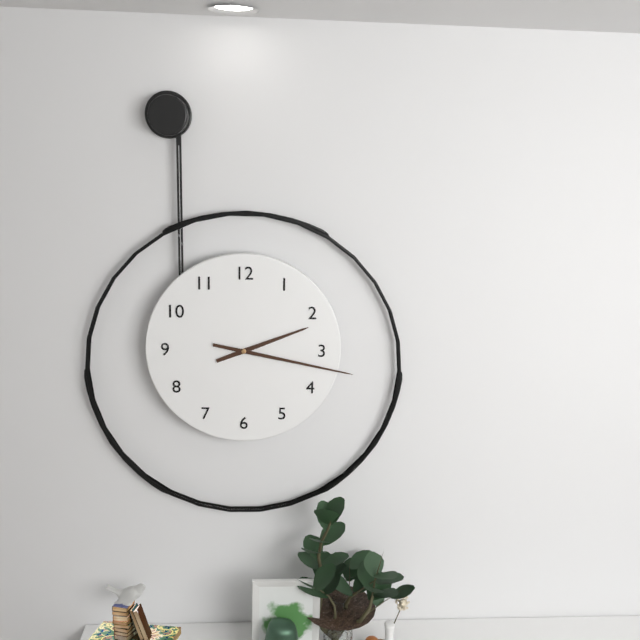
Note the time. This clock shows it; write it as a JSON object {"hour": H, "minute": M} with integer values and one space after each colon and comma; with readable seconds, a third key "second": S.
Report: {"hour": 2, "minute": 17}
